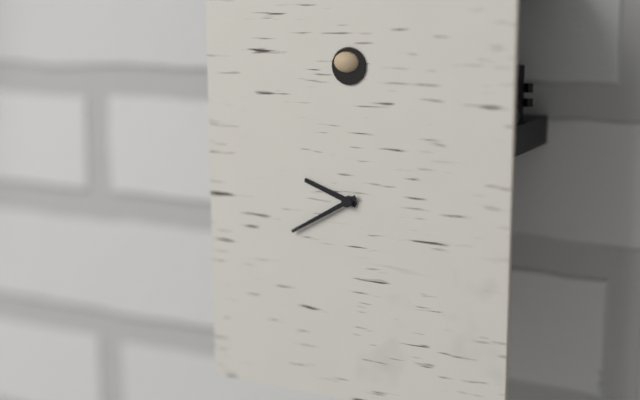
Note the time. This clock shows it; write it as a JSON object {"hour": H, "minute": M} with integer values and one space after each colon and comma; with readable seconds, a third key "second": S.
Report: {"hour": 9, "minute": 40}
